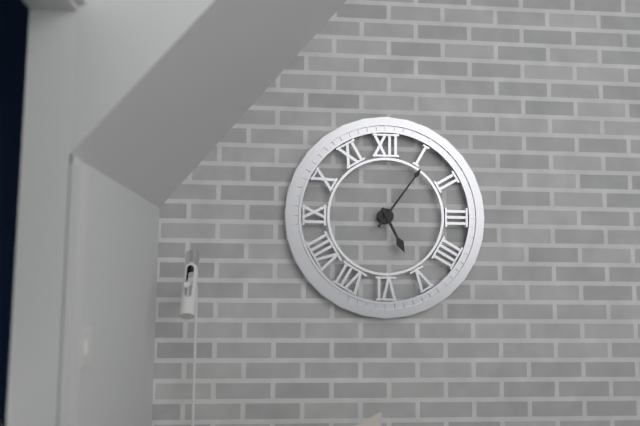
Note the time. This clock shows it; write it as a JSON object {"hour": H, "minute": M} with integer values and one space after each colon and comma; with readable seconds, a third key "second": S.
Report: {"hour": 5, "minute": 6}
